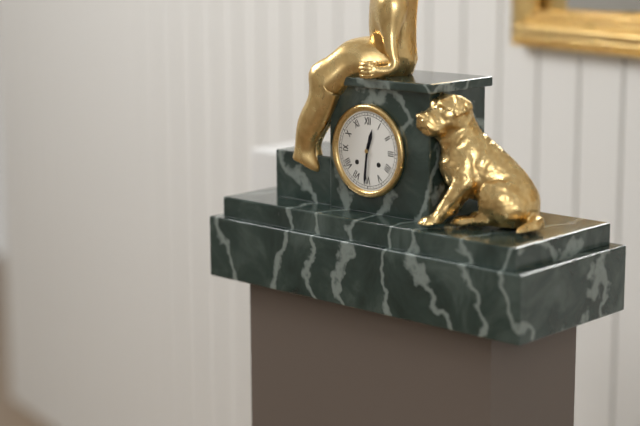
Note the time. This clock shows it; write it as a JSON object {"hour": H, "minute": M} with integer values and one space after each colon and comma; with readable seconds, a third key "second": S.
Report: {"hour": 12, "minute": 31}
